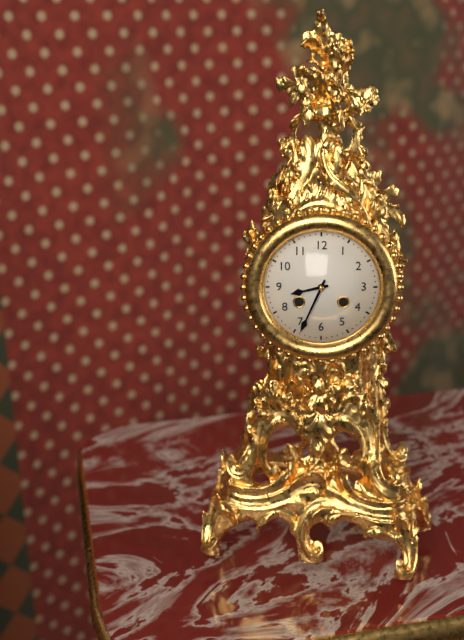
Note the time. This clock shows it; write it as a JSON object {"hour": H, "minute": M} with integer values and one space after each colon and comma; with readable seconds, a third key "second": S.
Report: {"hour": 8, "minute": 34}
